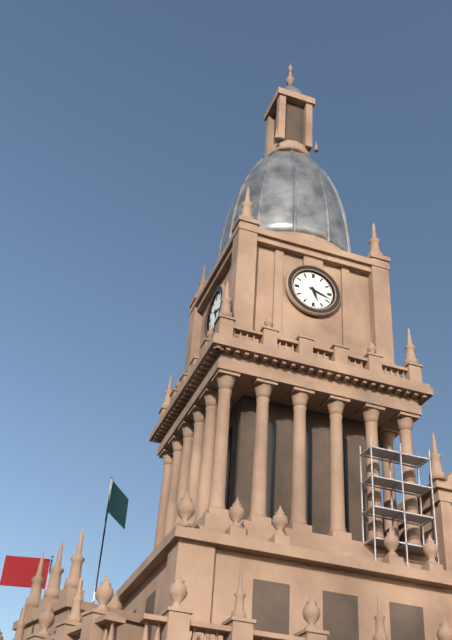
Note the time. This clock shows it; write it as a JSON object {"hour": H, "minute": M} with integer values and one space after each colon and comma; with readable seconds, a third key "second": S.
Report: {"hour": 5, "minute": 18}
